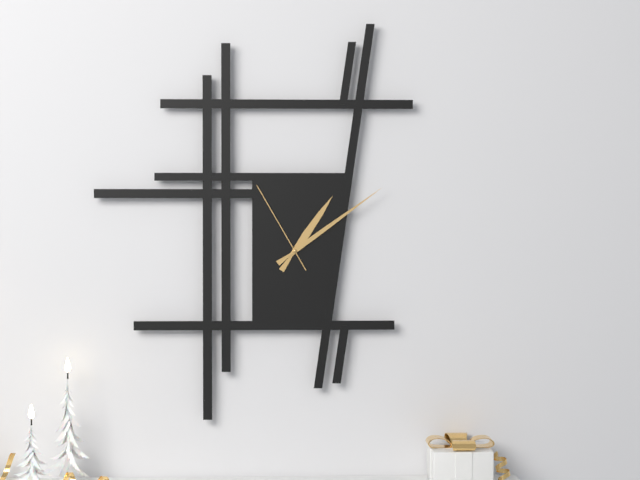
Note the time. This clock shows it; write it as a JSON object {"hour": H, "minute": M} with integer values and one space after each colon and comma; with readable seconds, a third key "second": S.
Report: {"hour": 1, "minute": 9, "second": 55}
